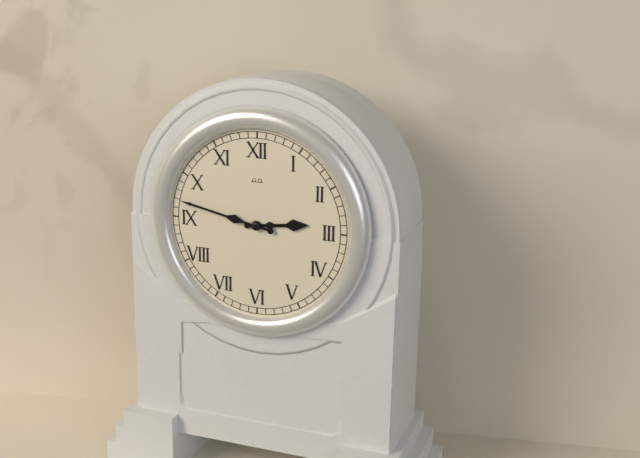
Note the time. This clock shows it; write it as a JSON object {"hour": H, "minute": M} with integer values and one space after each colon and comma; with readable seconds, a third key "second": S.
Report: {"hour": 2, "minute": 47}
